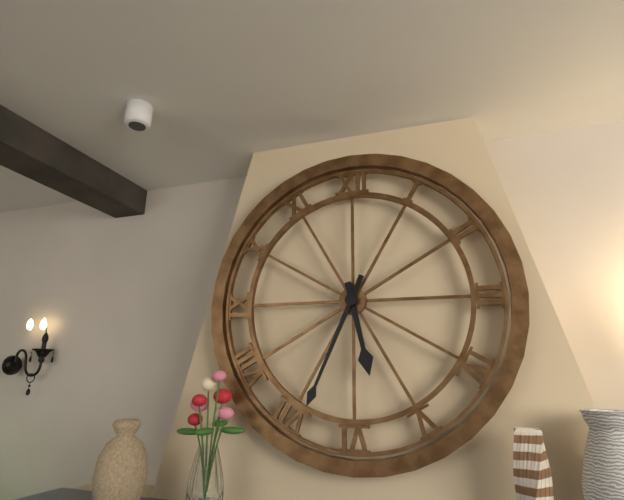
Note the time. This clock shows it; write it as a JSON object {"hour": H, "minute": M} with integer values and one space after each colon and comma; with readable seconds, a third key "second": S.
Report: {"hour": 5, "minute": 34}
